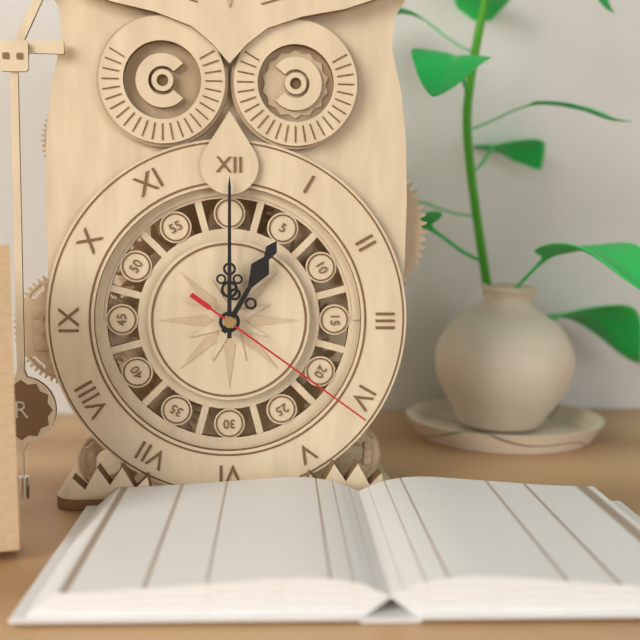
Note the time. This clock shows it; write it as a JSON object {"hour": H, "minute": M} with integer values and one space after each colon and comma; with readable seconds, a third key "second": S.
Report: {"hour": 1, "minute": 0, "second": 21}
